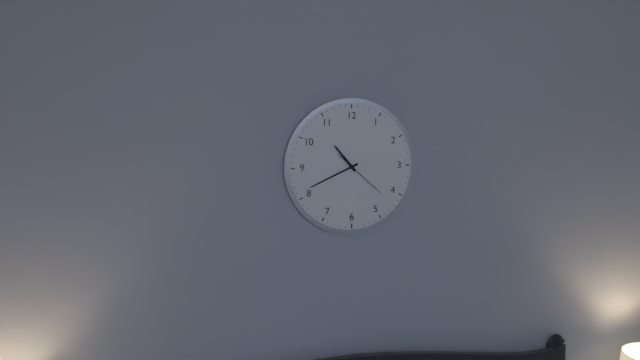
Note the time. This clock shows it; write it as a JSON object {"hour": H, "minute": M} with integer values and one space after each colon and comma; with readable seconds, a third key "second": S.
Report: {"hour": 10, "minute": 41, "second": 22}
